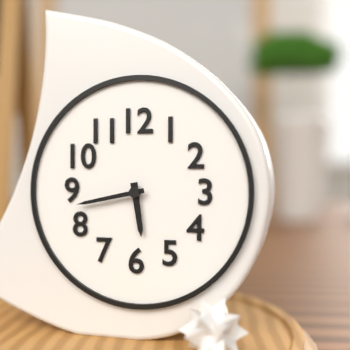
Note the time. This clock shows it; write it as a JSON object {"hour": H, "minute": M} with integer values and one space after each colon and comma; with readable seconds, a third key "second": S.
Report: {"hour": 5, "minute": 43}
